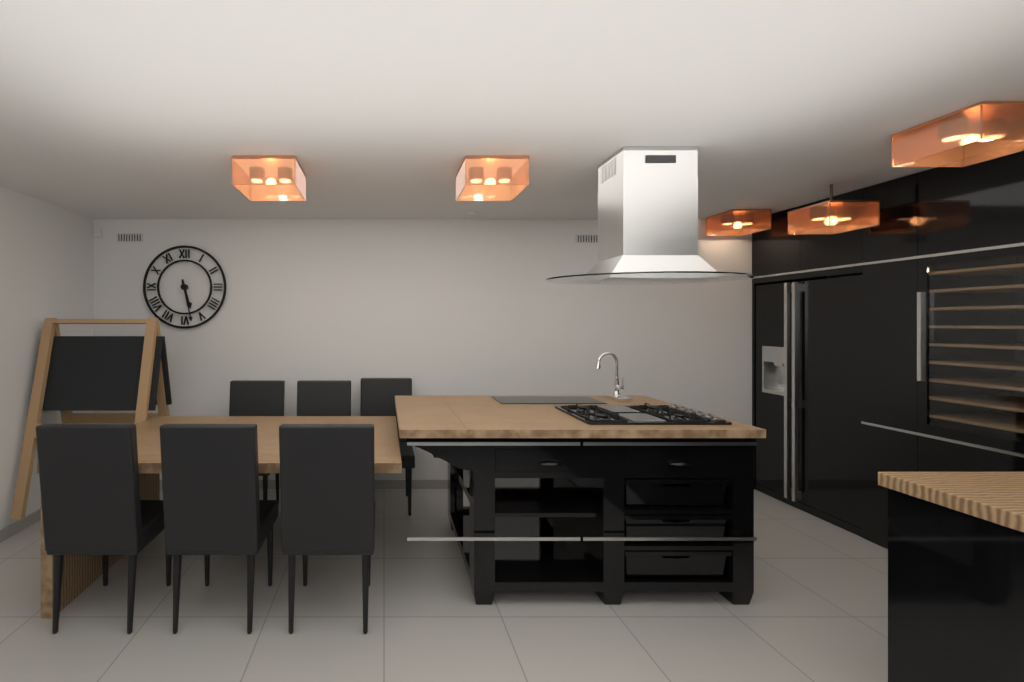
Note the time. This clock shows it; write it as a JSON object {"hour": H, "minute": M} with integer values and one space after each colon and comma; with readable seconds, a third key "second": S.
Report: {"hour": 5, "minute": 28}
